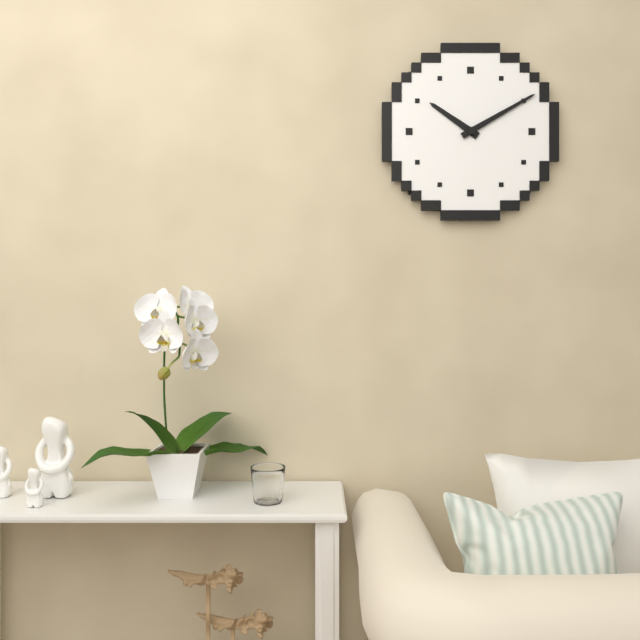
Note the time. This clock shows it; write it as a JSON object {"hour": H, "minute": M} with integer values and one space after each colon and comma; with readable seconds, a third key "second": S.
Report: {"hour": 10, "minute": 10}
